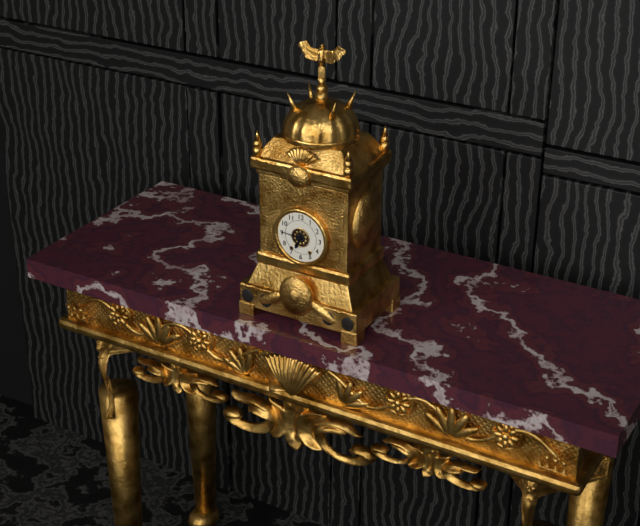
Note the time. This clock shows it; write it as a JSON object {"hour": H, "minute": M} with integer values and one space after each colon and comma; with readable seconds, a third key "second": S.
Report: {"hour": 6, "minute": 46}
